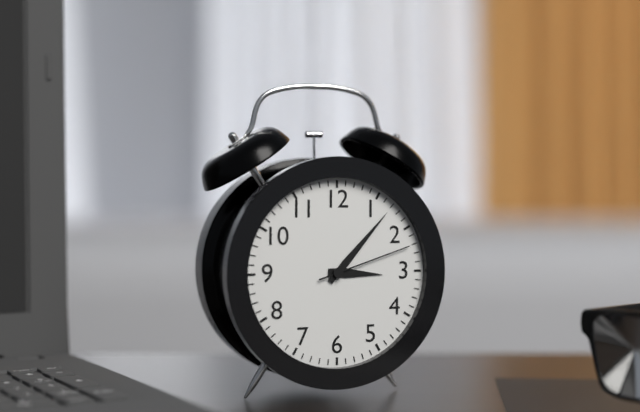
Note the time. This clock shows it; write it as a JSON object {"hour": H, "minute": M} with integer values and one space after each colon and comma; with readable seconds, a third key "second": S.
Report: {"hour": 3, "minute": 7, "second": 12}
